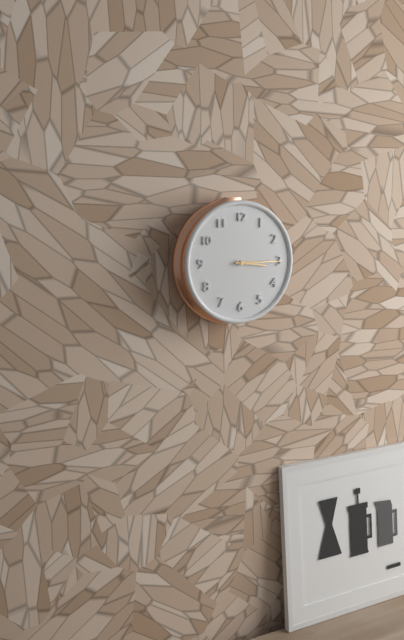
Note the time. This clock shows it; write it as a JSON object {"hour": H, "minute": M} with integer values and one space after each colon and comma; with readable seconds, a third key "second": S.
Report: {"hour": 3, "minute": 15}
